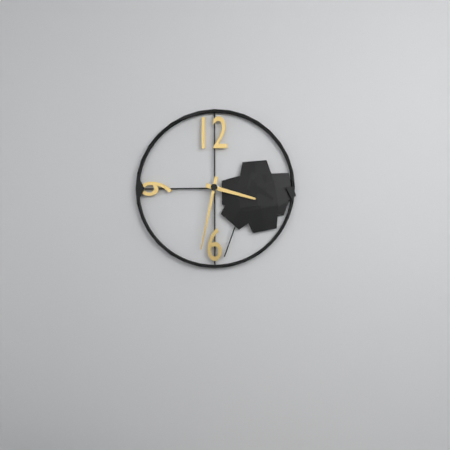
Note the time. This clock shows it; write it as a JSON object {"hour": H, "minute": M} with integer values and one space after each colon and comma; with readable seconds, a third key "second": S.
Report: {"hour": 3, "minute": 32}
